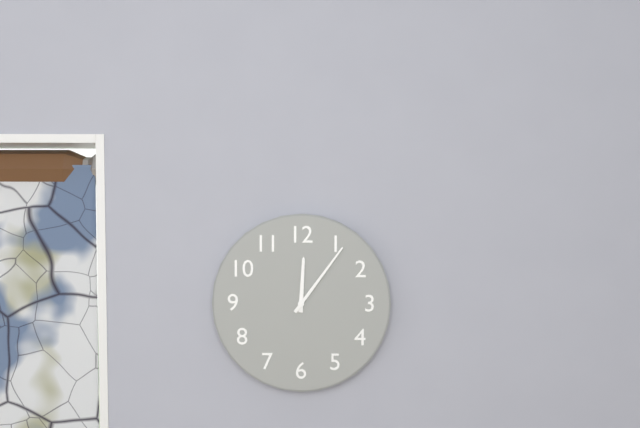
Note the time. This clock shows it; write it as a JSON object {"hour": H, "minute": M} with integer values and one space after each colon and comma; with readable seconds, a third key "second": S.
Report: {"hour": 12, "minute": 6}
